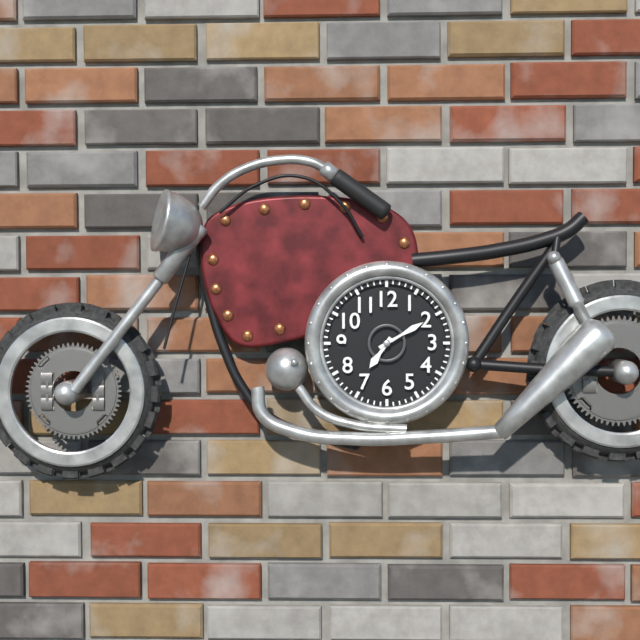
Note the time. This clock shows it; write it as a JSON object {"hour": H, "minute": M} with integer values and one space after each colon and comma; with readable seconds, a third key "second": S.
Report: {"hour": 7, "minute": 10}
